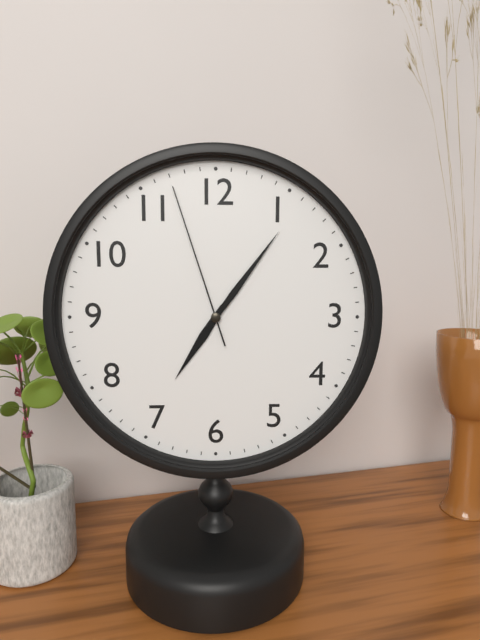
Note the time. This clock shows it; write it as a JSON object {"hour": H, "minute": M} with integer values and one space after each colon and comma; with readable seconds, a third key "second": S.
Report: {"hour": 7, "minute": 6, "second": 57}
